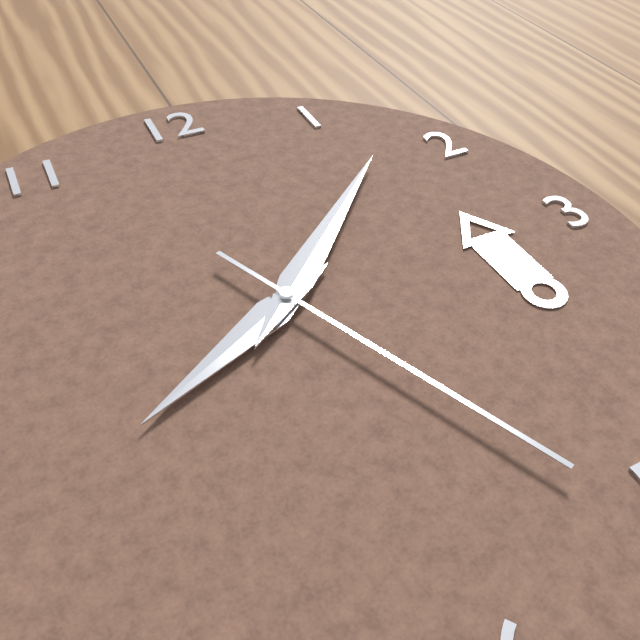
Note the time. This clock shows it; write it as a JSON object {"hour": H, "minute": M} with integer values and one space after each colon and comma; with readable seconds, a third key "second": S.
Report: {"hour": 8, "minute": 8, "second": 26}
